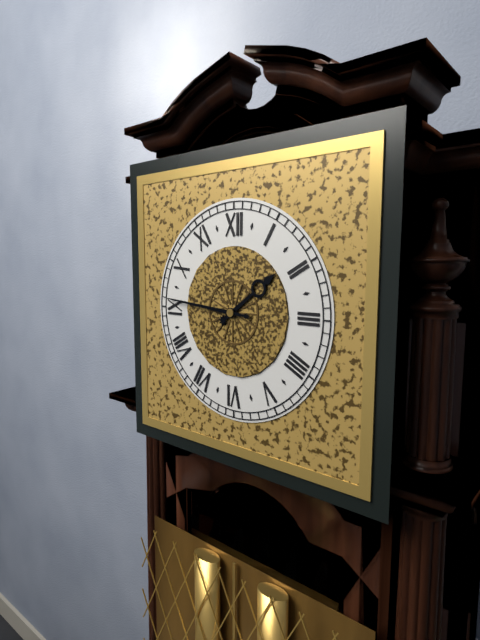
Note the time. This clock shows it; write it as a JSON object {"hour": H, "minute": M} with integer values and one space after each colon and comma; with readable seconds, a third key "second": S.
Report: {"hour": 1, "minute": 46}
